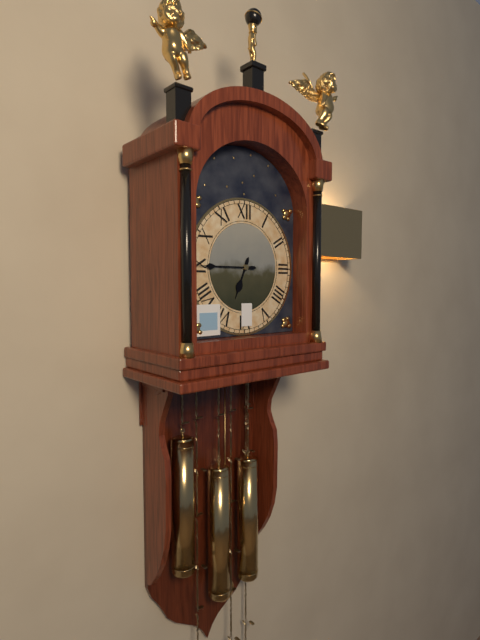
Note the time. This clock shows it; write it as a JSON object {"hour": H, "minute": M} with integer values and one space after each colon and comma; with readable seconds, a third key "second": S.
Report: {"hour": 6, "minute": 45}
